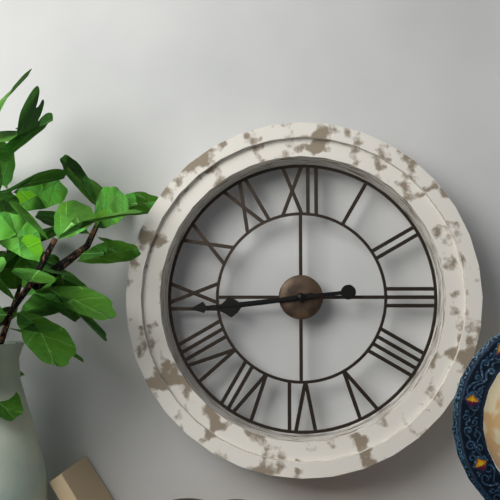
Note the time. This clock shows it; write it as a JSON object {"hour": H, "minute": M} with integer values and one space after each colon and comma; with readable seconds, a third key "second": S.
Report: {"hour": 8, "minute": 44}
